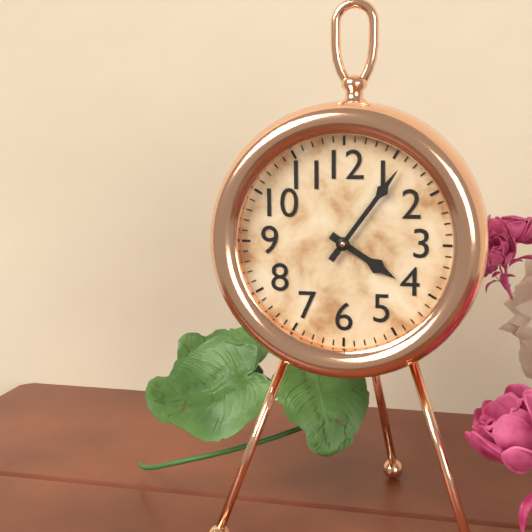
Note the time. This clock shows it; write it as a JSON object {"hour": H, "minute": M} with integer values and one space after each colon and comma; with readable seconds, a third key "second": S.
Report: {"hour": 4, "minute": 6}
